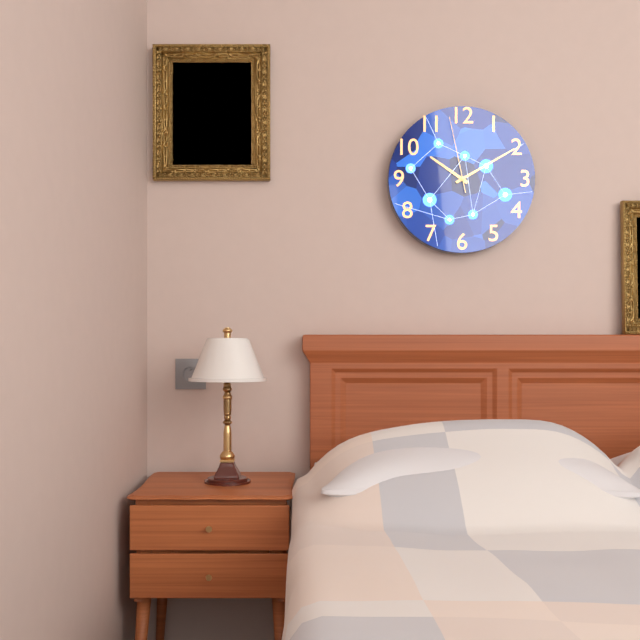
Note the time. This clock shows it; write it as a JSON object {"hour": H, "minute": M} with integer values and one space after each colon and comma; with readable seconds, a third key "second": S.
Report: {"hour": 10, "minute": 10, "second": 58}
